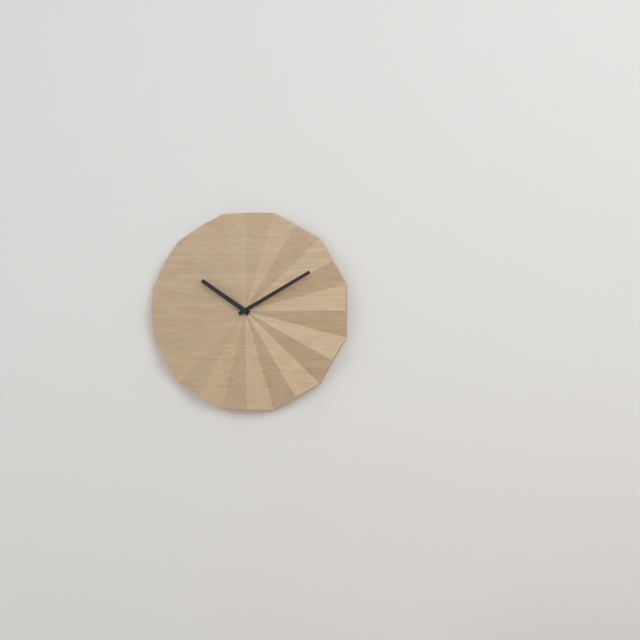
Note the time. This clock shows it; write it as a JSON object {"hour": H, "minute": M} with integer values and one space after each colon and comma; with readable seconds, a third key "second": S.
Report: {"hour": 10, "minute": 10}
